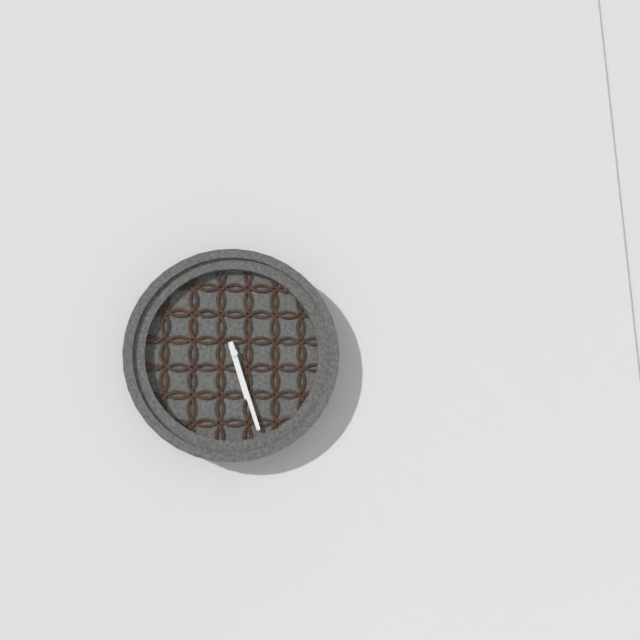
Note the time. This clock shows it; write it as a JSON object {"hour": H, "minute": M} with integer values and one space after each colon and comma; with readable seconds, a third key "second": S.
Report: {"hour": 5, "minute": 27}
